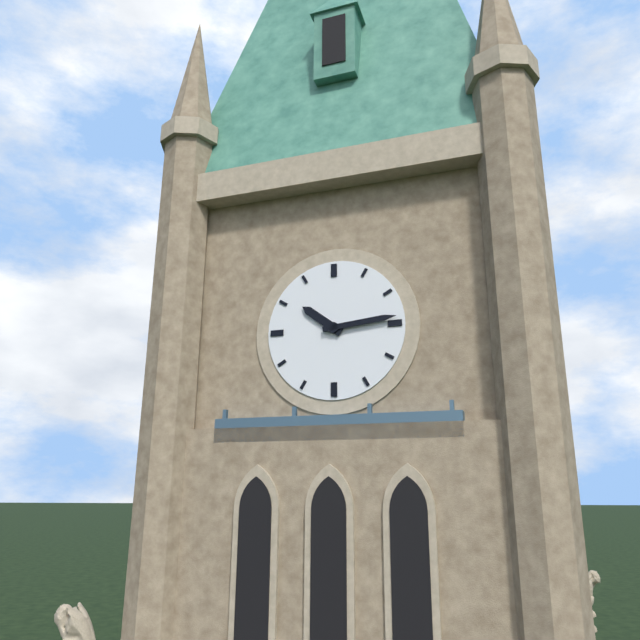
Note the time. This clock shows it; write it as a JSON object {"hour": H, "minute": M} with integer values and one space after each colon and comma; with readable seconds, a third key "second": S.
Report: {"hour": 10, "minute": 14}
